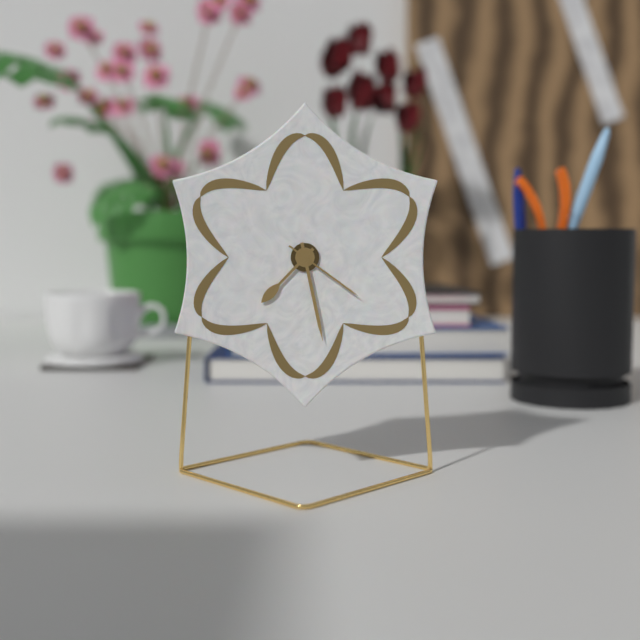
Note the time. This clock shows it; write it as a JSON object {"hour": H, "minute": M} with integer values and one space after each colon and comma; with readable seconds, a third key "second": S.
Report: {"hour": 7, "minute": 28, "second": 21}
